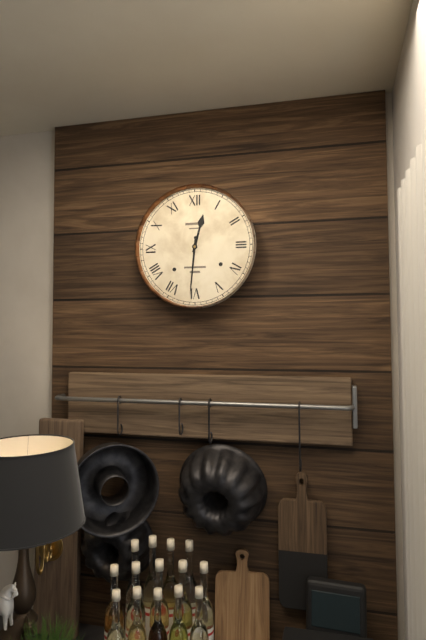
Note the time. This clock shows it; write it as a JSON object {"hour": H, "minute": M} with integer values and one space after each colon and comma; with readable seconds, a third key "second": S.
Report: {"hour": 12, "minute": 31}
